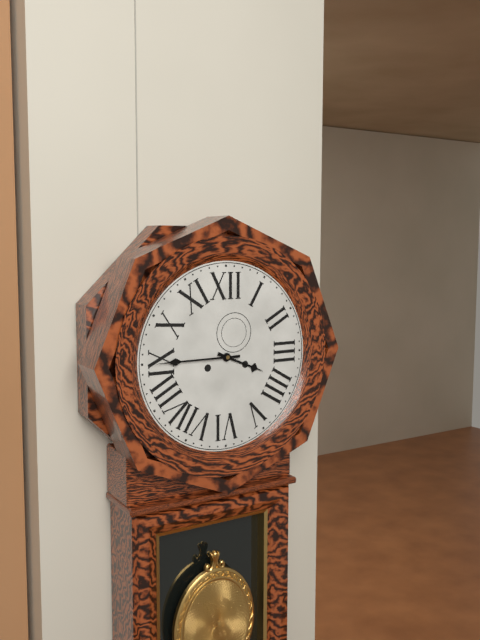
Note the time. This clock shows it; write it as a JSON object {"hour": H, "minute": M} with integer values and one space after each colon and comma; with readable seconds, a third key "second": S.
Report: {"hour": 3, "minute": 45}
